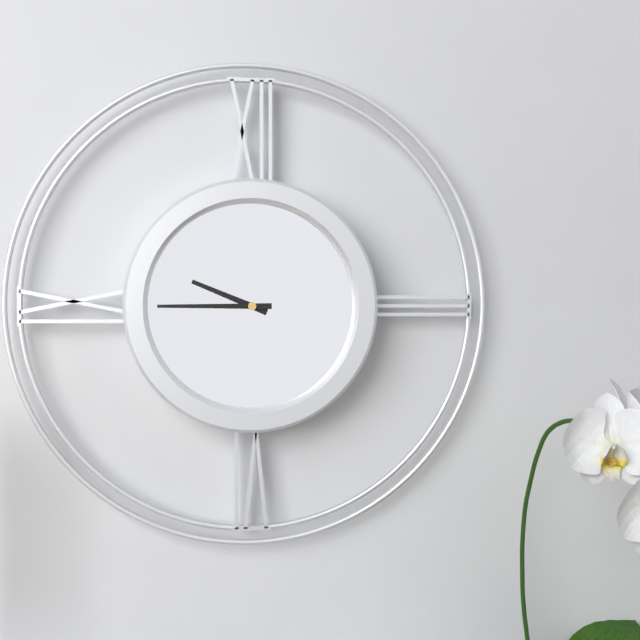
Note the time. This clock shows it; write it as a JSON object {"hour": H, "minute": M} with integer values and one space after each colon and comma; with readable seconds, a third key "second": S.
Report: {"hour": 9, "minute": 45}
